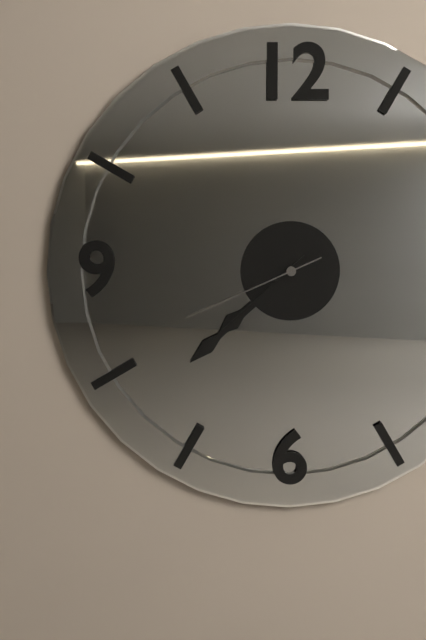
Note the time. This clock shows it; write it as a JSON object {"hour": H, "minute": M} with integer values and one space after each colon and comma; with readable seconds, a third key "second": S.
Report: {"hour": 7, "minute": 38, "second": 41}
